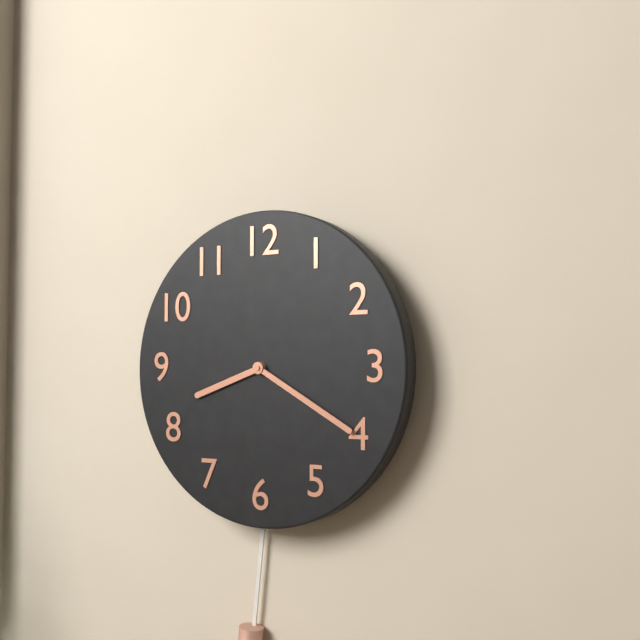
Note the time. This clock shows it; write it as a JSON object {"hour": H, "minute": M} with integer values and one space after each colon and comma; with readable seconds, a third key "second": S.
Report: {"hour": 8, "minute": 20}
